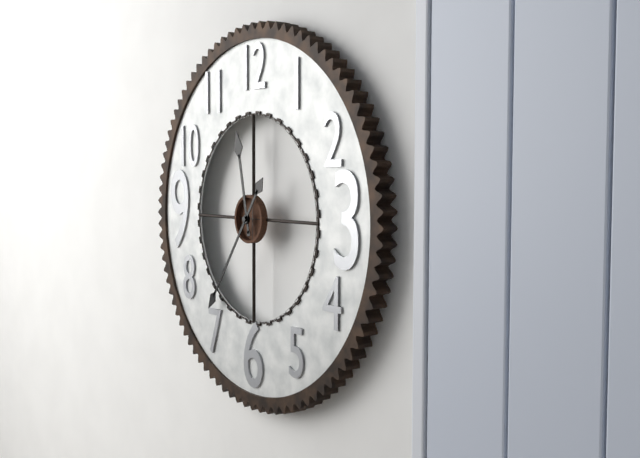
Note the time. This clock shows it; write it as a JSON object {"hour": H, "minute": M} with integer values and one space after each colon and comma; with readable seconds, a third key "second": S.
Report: {"hour": 11, "minute": 36}
